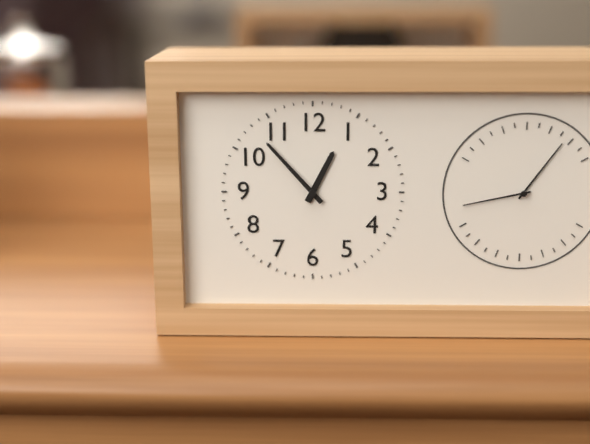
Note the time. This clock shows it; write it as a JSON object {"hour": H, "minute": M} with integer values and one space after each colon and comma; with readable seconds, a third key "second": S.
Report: {"hour": 12, "minute": 53}
